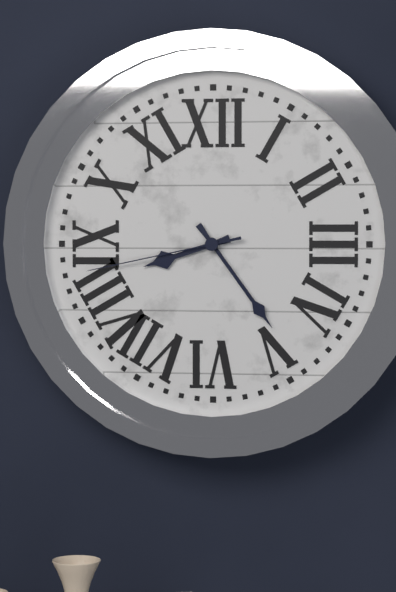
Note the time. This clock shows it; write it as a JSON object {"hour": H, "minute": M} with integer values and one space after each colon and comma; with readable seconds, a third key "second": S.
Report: {"hour": 8, "minute": 24, "second": 43}
